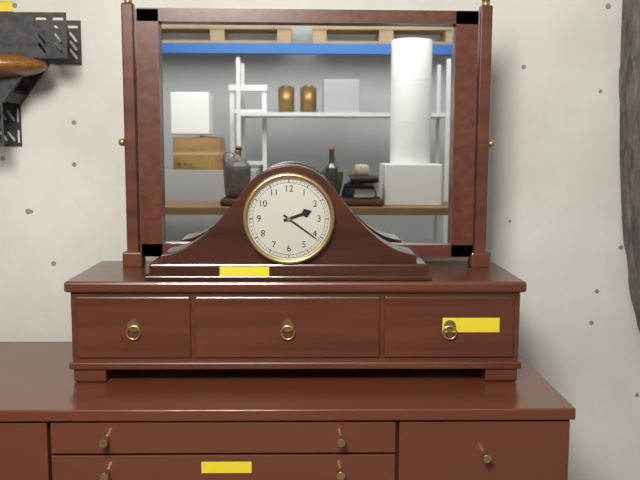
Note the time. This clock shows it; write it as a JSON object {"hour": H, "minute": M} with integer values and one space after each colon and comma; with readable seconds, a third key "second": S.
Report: {"hour": 2, "minute": 21}
